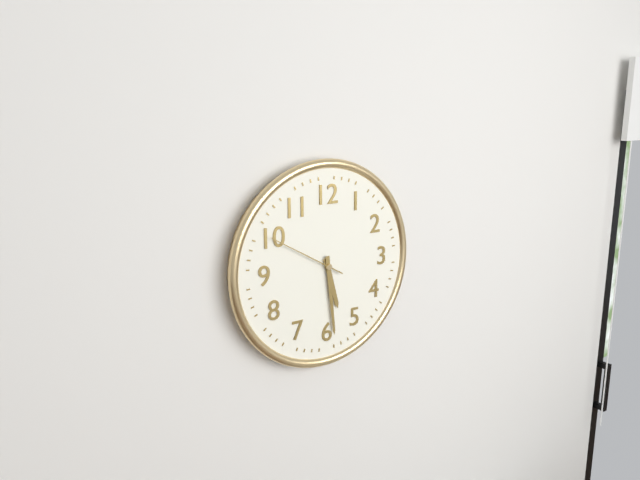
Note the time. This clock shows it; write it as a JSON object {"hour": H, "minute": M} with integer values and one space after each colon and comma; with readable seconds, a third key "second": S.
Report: {"hour": 5, "minute": 29, "second": 50}
